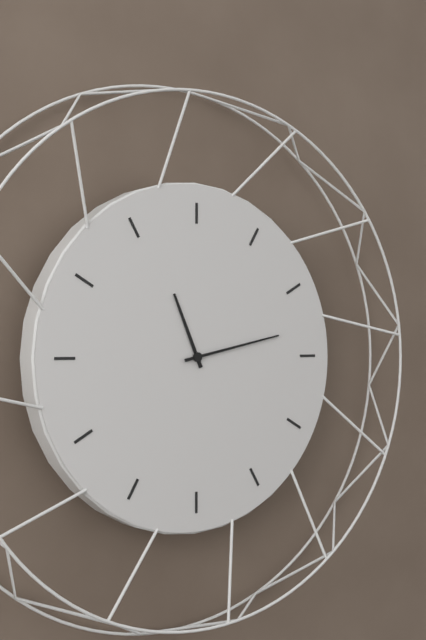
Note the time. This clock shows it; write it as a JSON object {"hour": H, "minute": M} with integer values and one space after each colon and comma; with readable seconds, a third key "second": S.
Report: {"hour": 11, "minute": 13}
